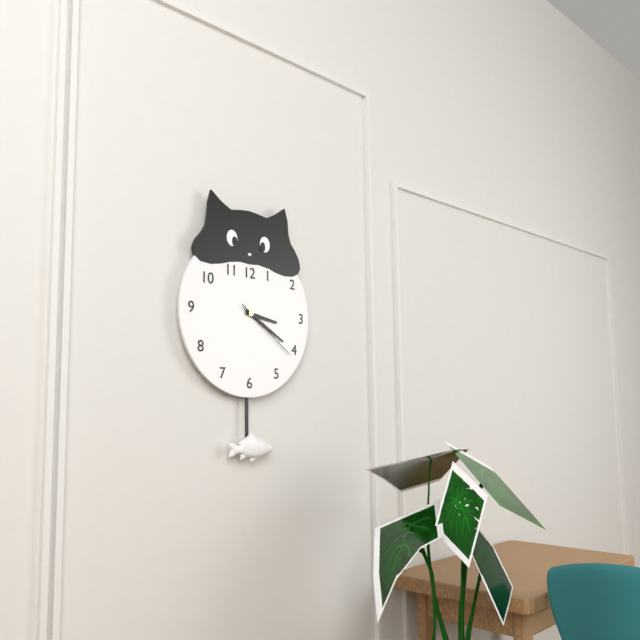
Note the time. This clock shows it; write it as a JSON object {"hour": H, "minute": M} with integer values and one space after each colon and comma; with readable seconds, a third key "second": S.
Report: {"hour": 3, "minute": 20, "second": 21}
